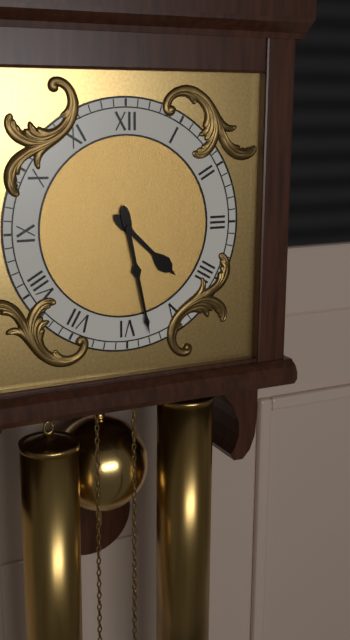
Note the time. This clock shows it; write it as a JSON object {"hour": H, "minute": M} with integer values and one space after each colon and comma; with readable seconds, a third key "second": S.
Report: {"hour": 4, "minute": 28}
